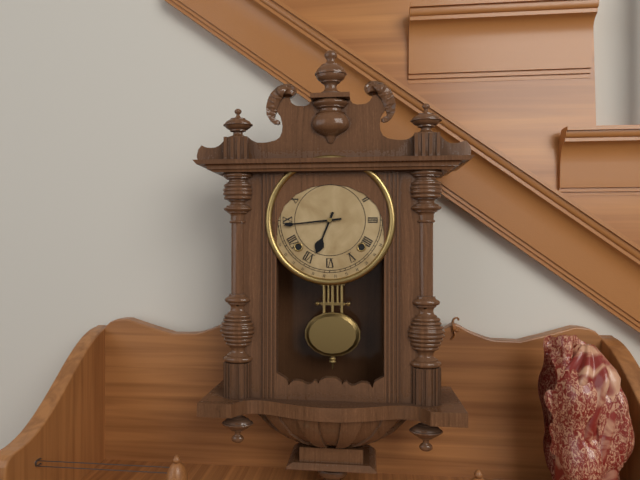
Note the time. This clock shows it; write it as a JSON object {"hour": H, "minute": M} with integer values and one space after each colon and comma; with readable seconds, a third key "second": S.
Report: {"hour": 6, "minute": 44}
